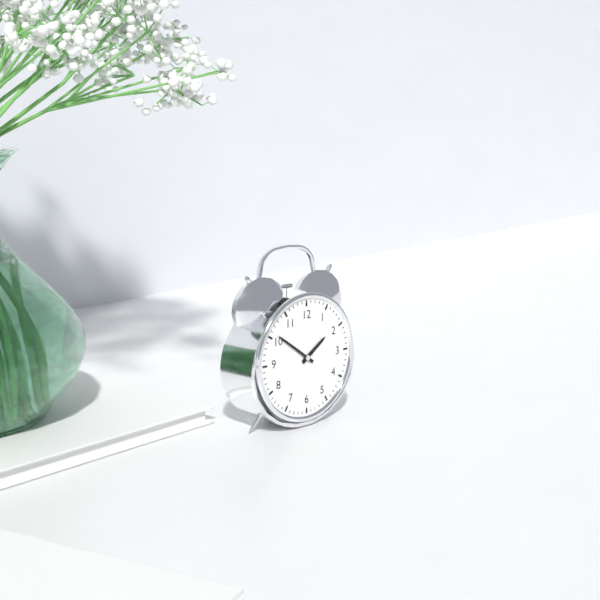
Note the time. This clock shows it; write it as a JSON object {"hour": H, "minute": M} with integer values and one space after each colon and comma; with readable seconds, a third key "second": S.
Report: {"hour": 1, "minute": 51}
